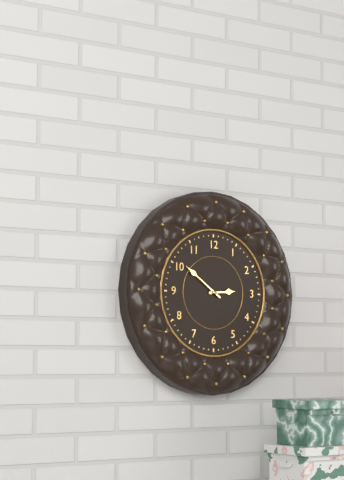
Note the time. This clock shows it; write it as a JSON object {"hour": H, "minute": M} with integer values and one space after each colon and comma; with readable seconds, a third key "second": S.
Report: {"hour": 2, "minute": 51}
